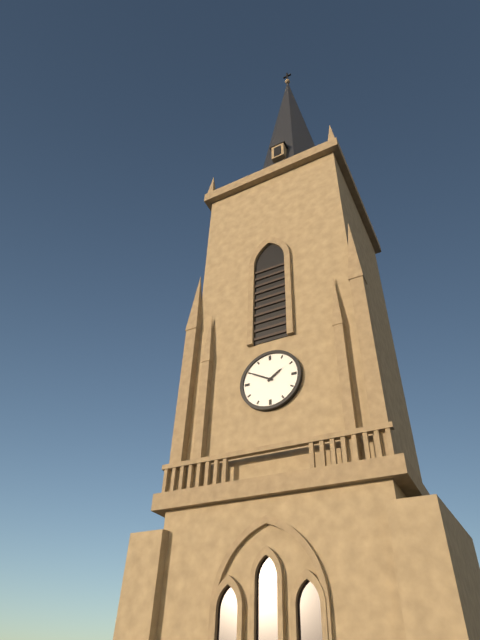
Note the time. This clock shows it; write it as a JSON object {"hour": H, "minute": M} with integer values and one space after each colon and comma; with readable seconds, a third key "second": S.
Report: {"hour": 1, "minute": 50}
